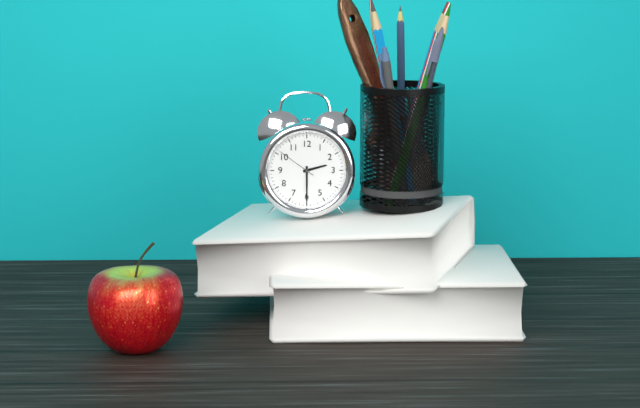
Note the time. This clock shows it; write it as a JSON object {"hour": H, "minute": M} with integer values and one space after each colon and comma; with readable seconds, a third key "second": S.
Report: {"hour": 2, "minute": 30}
